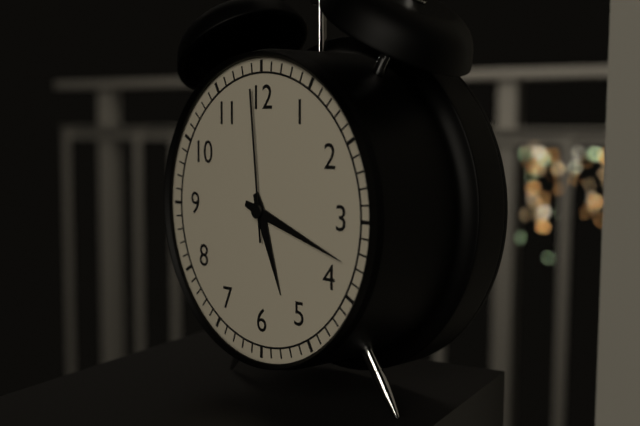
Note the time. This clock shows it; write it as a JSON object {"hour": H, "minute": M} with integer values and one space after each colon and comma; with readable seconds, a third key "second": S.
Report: {"hour": 5, "minute": 18, "second": 59}
